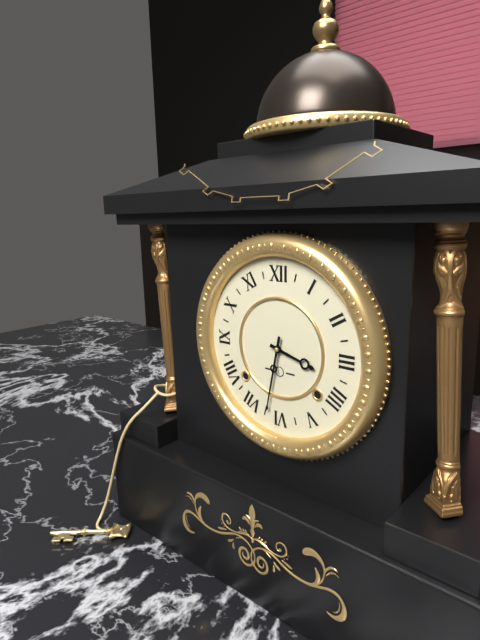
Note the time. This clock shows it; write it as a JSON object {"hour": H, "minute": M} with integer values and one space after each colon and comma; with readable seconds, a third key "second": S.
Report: {"hour": 3, "minute": 32}
